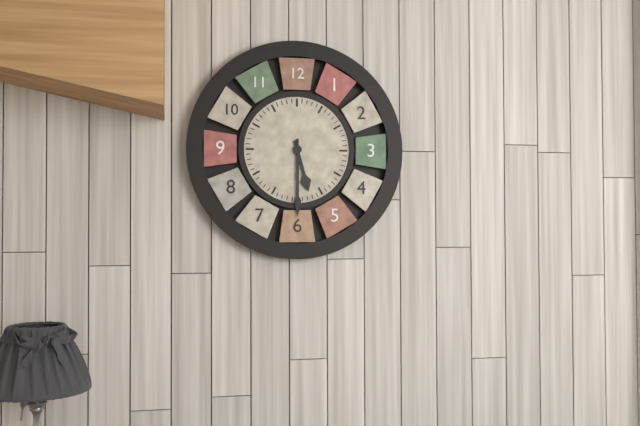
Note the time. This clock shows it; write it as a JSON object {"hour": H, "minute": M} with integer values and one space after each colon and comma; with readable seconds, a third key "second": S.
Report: {"hour": 5, "minute": 30}
